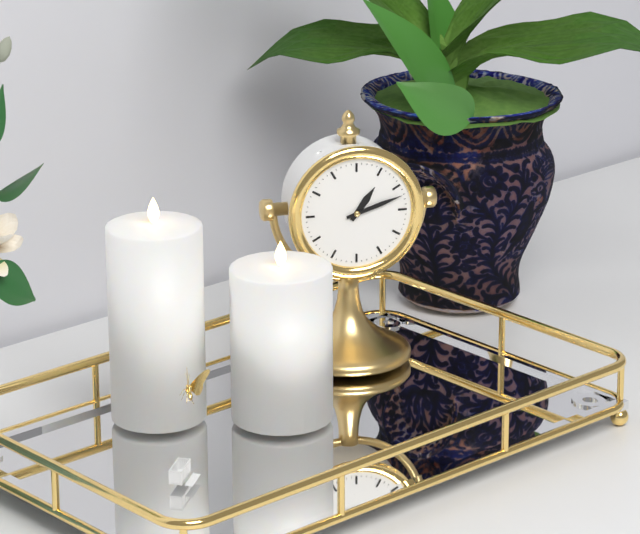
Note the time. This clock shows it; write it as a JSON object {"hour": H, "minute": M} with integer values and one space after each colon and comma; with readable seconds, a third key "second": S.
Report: {"hour": 1, "minute": 12}
